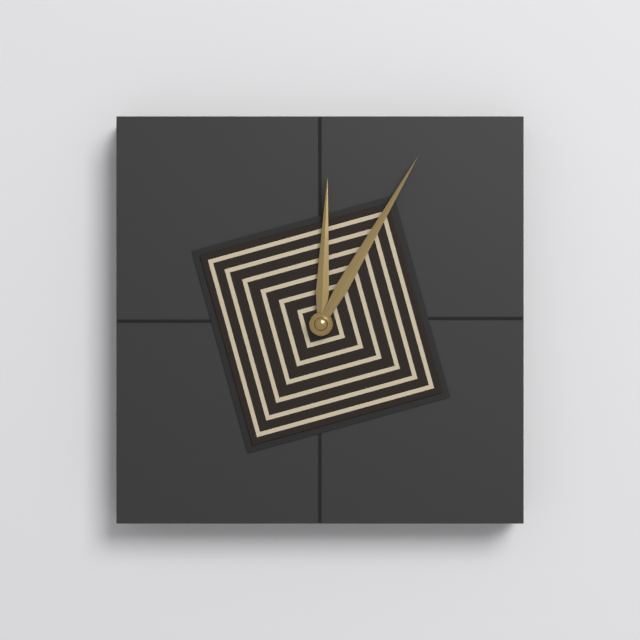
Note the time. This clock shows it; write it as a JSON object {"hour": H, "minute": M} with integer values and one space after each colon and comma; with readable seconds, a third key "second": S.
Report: {"hour": 12, "minute": 5}
